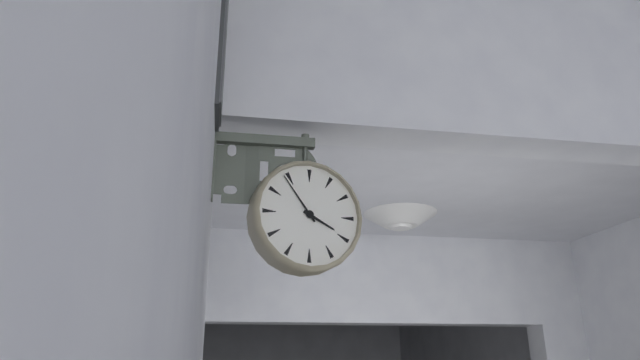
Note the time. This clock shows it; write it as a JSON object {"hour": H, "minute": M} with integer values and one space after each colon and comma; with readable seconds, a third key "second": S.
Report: {"hour": 3, "minute": 54}
